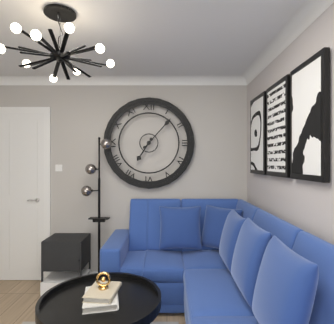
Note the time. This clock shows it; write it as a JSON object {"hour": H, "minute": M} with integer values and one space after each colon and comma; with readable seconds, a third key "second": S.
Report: {"hour": 7, "minute": 7}
